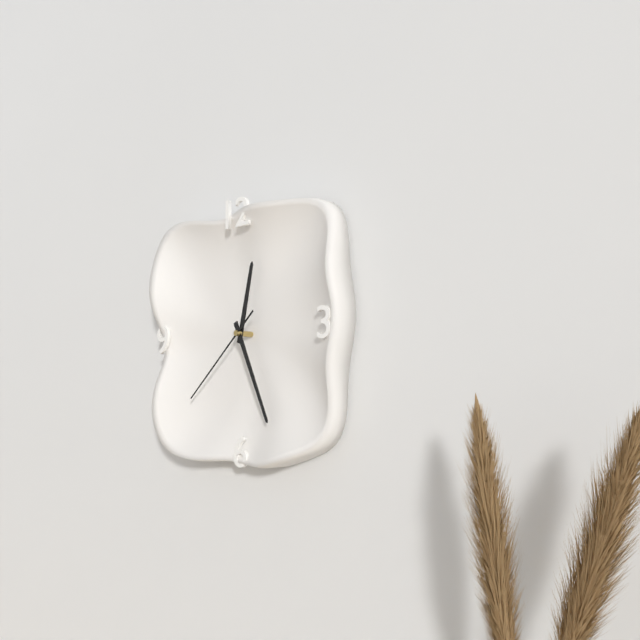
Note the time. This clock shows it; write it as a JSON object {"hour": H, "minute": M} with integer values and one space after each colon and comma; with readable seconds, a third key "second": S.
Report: {"hour": 12, "minute": 26, "second": 38}
